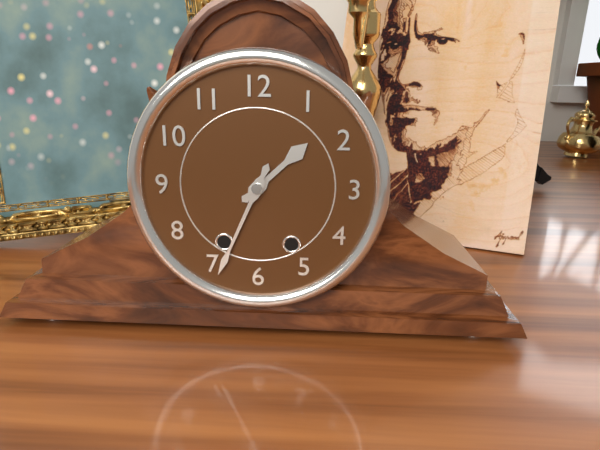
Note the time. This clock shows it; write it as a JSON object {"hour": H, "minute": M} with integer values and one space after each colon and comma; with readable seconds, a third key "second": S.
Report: {"hour": 1, "minute": 34}
